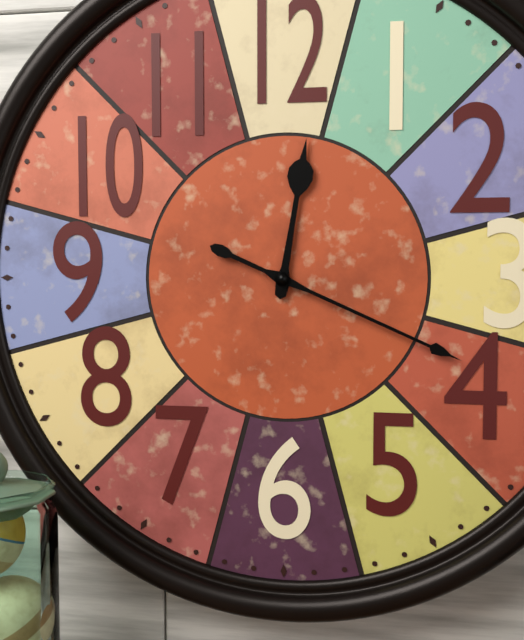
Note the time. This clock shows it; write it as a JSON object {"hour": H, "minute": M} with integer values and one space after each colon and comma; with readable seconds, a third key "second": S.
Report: {"hour": 12, "minute": 19}
